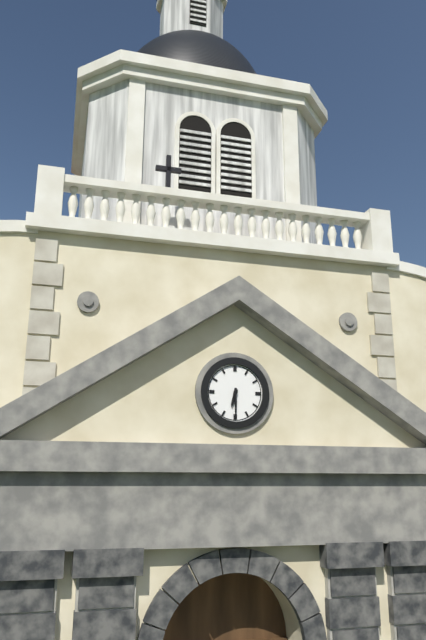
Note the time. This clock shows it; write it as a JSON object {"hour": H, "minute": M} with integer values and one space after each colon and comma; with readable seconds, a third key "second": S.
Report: {"hour": 6, "minute": 30}
